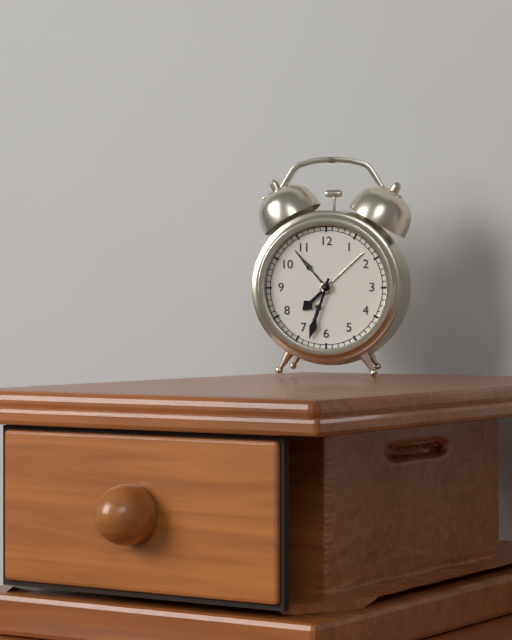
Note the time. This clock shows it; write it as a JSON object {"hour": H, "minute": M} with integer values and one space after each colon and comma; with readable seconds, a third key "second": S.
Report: {"hour": 7, "minute": 33}
